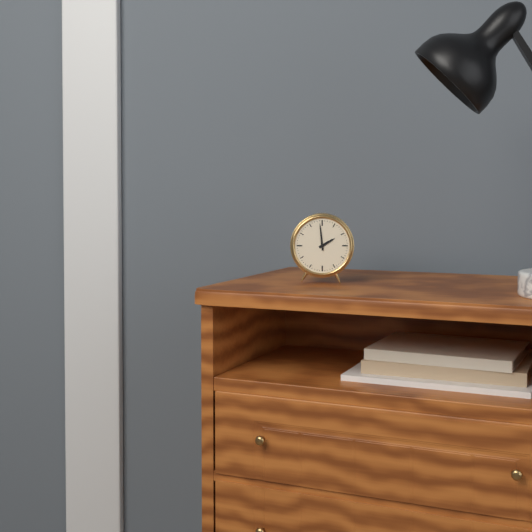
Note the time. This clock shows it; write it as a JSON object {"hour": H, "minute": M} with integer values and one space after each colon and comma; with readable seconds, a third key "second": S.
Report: {"hour": 1, "minute": 59}
